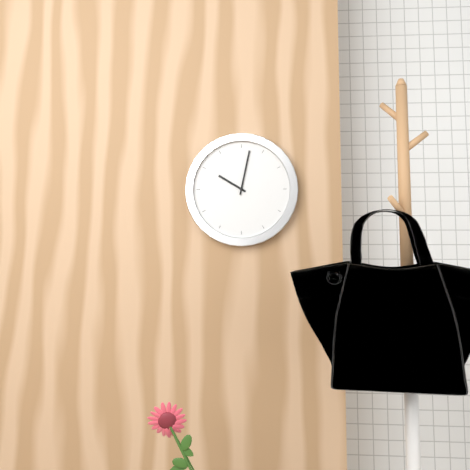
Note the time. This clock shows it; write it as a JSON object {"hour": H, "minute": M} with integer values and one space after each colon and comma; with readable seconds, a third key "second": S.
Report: {"hour": 10, "minute": 2}
